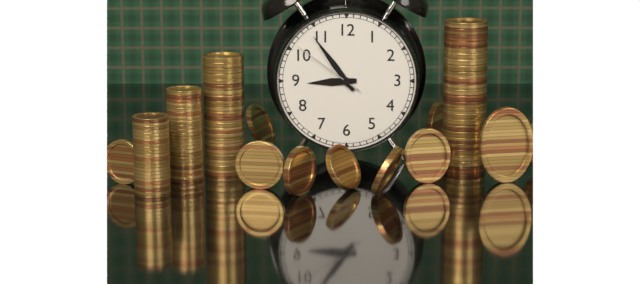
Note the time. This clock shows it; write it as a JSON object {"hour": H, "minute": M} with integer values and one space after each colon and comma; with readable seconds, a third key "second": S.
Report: {"hour": 8, "minute": 54, "second": 51}
